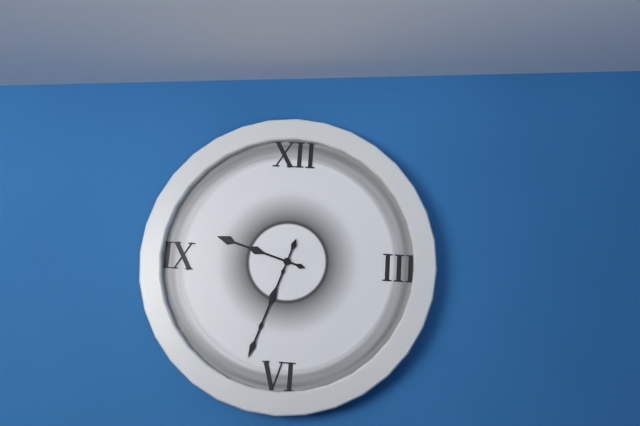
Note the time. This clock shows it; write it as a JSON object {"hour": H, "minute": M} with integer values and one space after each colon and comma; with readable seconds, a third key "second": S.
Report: {"hour": 9, "minute": 33}
